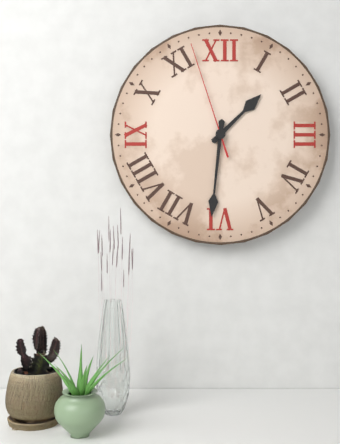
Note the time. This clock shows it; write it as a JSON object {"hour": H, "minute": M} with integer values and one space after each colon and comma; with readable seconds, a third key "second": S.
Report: {"hour": 1, "minute": 31, "second": 57}
